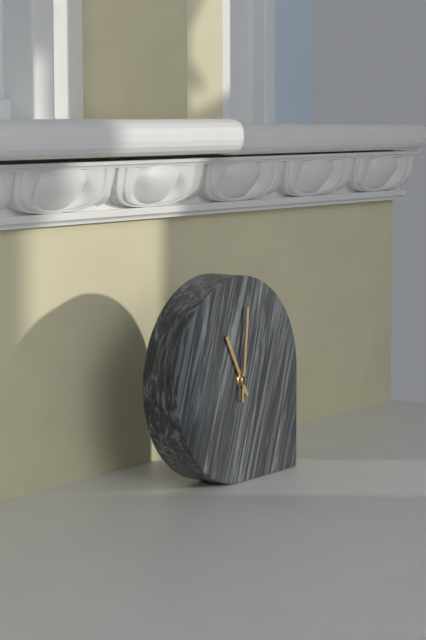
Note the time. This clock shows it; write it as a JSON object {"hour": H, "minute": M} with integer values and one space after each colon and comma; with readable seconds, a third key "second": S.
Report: {"hour": 11, "minute": 1}
